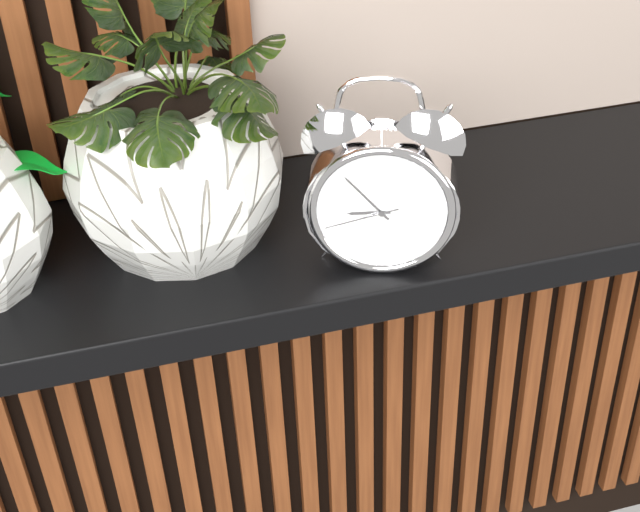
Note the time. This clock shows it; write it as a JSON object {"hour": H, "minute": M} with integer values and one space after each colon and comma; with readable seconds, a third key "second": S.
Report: {"hour": 8, "minute": 53, "second": 42}
